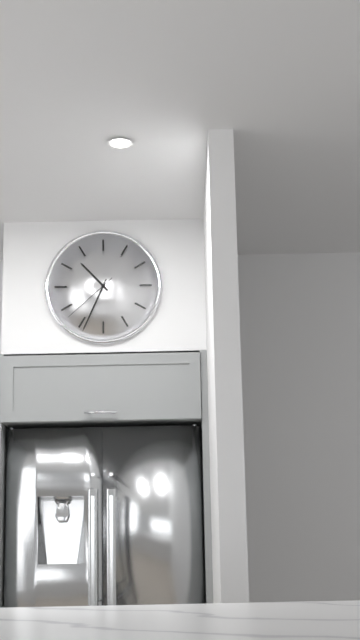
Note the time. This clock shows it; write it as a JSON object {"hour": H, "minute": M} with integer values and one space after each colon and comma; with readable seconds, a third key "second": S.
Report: {"hour": 10, "minute": 34, "second": 38}
